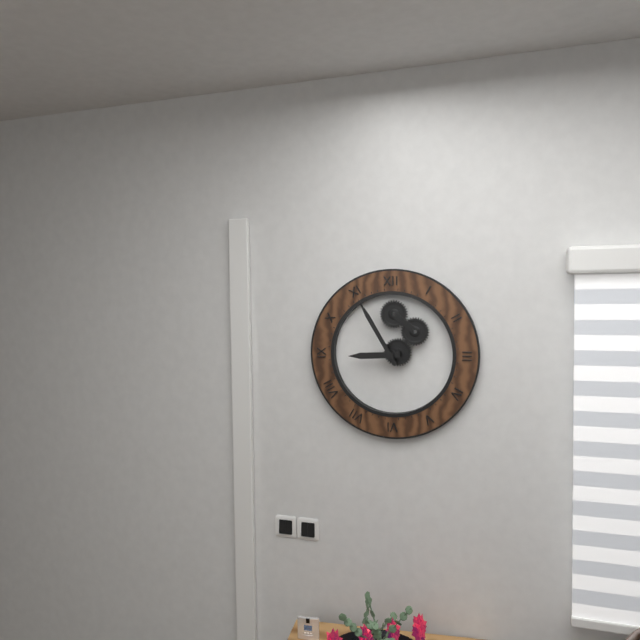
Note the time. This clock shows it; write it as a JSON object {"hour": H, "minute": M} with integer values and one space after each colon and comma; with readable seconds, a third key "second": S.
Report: {"hour": 8, "minute": 55}
